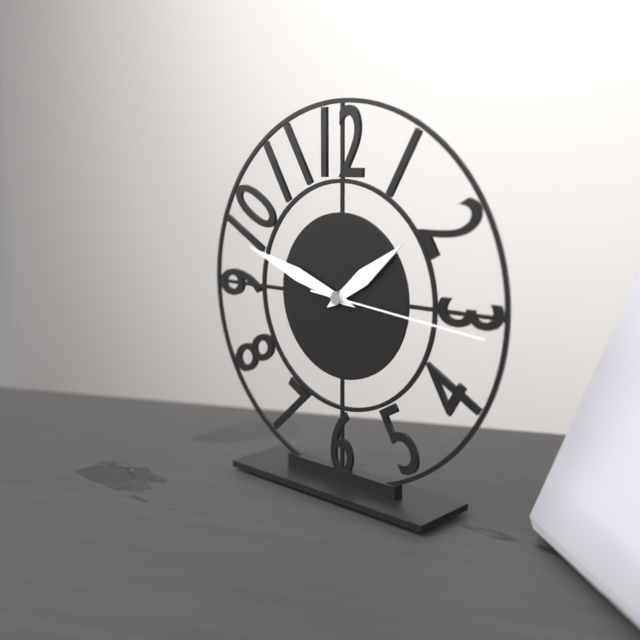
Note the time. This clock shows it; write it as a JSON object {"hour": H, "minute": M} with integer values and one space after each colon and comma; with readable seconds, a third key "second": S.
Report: {"hour": 1, "minute": 48, "second": 16}
